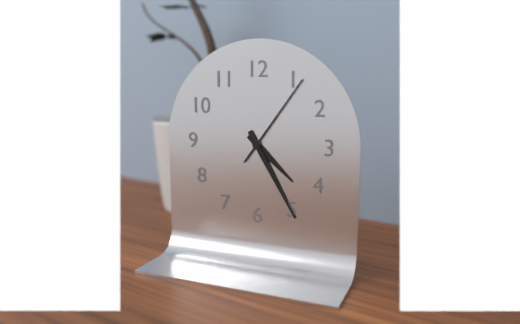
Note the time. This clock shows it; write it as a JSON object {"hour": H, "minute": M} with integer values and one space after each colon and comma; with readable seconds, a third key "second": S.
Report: {"hour": 4, "minute": 25, "second": 6}
